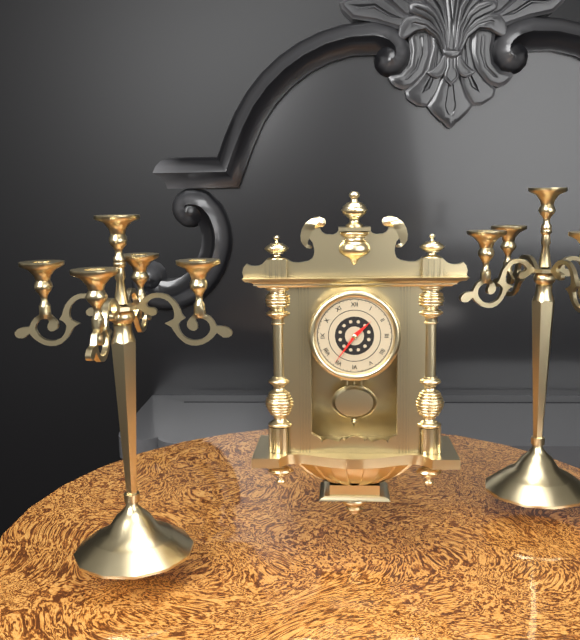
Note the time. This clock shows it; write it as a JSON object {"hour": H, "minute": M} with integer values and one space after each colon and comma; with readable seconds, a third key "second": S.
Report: {"hour": 1, "minute": 36}
